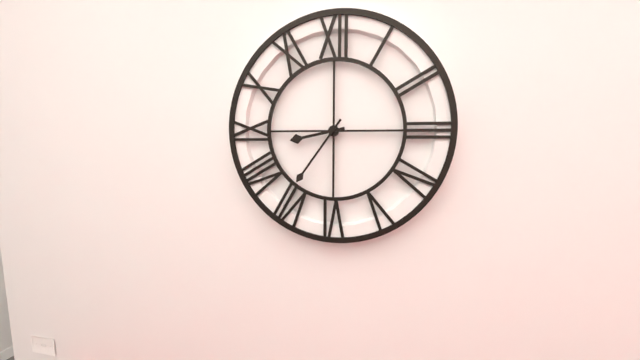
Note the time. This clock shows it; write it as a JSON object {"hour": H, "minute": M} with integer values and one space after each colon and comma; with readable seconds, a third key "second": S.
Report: {"hour": 8, "minute": 36}
